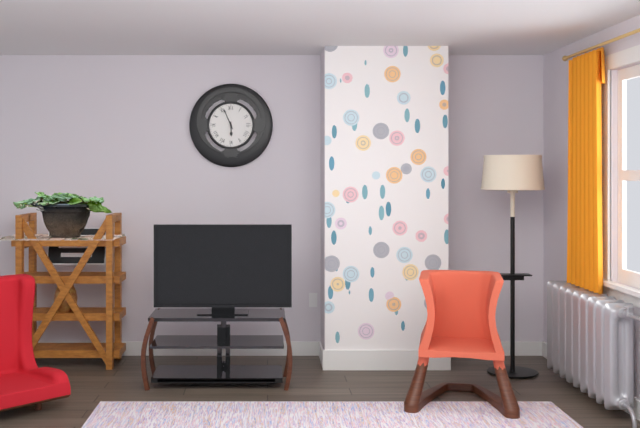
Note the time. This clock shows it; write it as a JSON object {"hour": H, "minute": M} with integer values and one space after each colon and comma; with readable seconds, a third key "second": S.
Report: {"hour": 5, "minute": 56}
